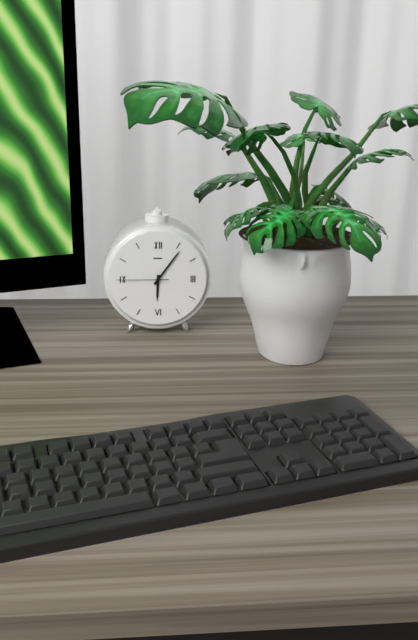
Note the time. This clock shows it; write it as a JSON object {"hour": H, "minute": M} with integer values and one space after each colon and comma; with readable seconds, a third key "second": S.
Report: {"hour": 6, "minute": 6, "second": 45}
